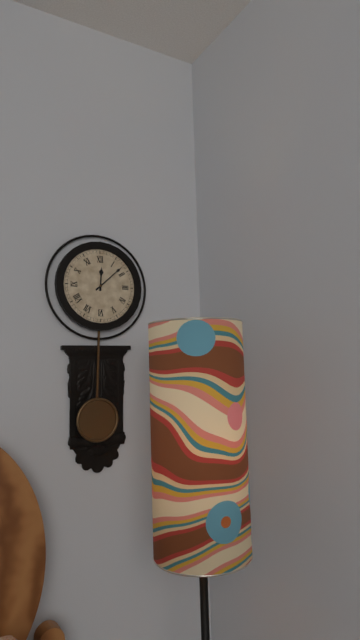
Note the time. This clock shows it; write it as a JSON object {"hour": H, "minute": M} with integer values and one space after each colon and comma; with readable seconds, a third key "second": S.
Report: {"hour": 12, "minute": 8}
